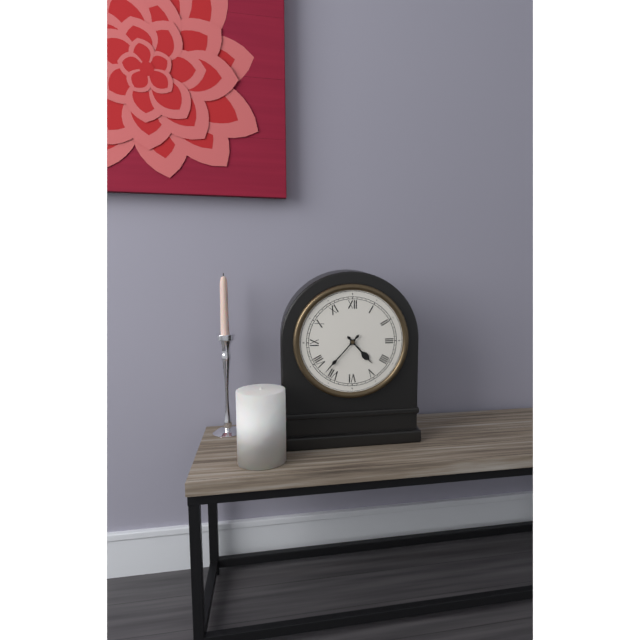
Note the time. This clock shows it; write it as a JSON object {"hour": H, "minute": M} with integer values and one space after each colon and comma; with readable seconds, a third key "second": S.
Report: {"hour": 4, "minute": 37}
